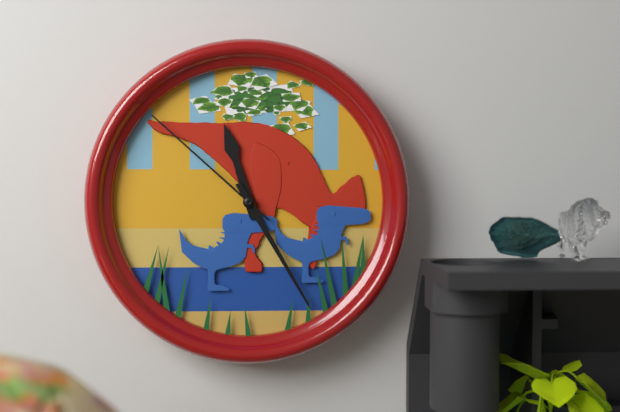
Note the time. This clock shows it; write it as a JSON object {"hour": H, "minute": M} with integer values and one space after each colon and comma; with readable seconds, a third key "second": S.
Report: {"hour": 11, "minute": 25, "second": 52}
